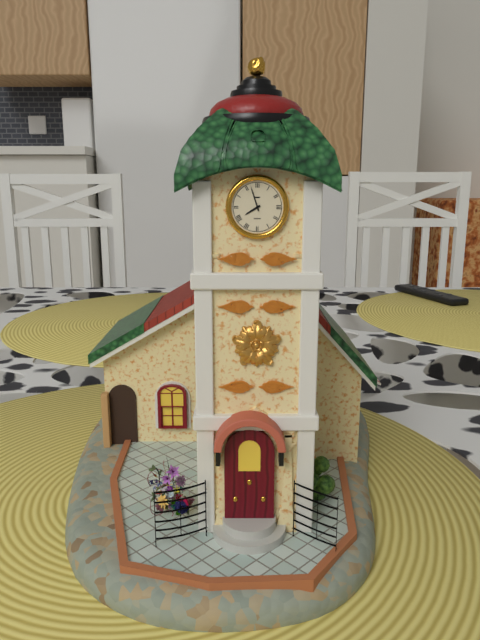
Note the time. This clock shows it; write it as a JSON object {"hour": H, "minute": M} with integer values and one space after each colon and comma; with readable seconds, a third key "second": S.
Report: {"hour": 7, "minute": 57}
